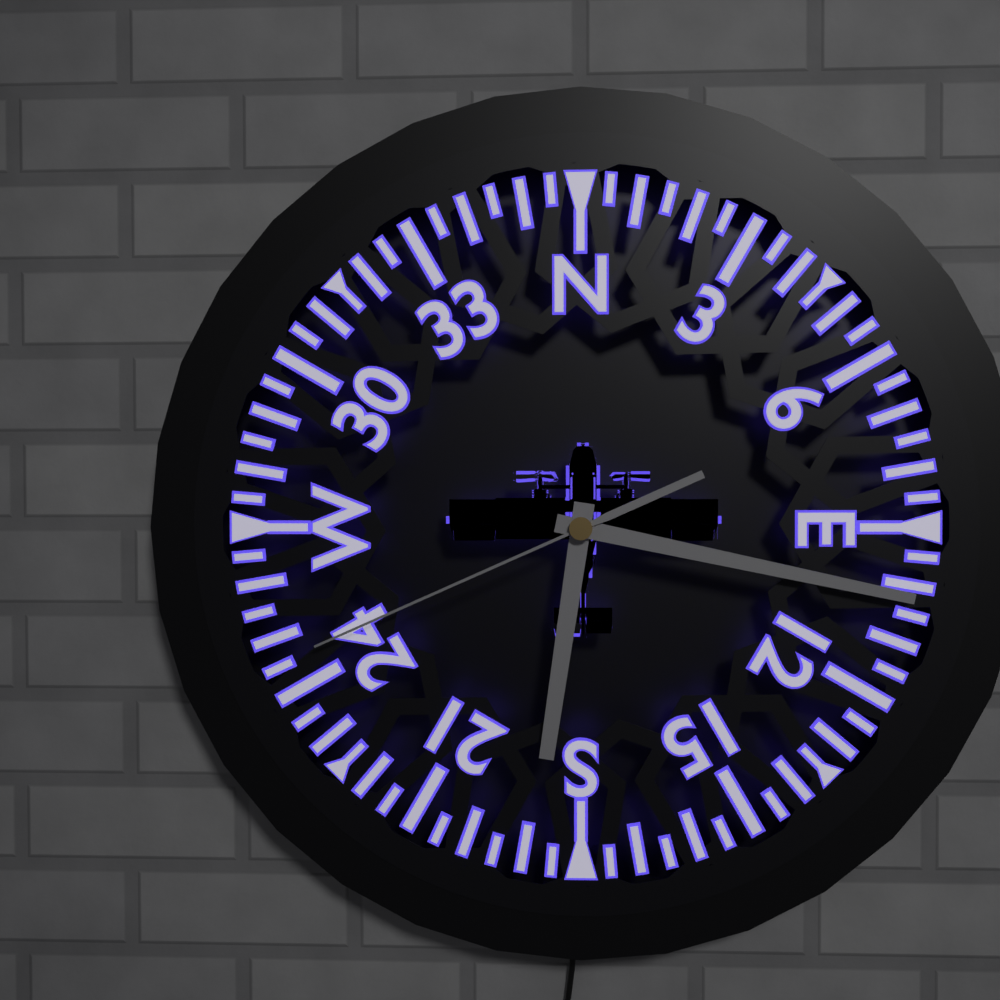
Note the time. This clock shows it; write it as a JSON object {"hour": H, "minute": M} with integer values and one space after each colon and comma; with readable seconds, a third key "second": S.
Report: {"hour": 6, "minute": 17, "second": 41}
